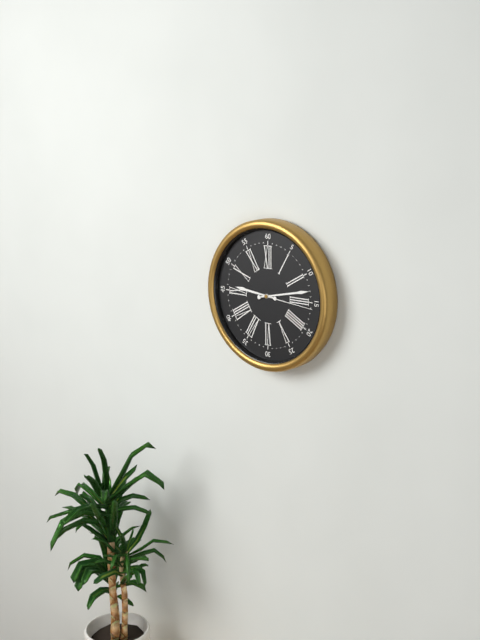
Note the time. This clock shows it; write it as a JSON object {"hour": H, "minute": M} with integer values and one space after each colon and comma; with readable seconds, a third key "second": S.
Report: {"hour": 9, "minute": 13}
